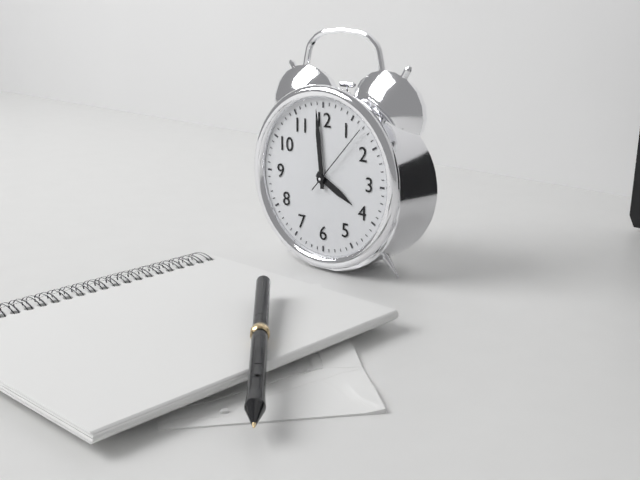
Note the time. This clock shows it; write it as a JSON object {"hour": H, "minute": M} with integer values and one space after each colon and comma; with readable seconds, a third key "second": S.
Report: {"hour": 3, "minute": 59, "second": 7}
